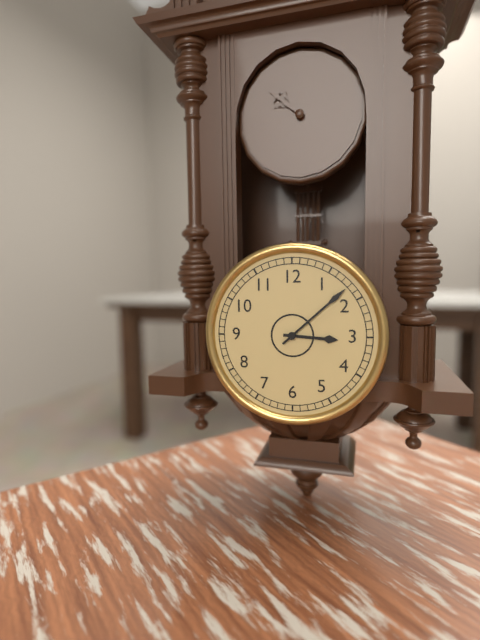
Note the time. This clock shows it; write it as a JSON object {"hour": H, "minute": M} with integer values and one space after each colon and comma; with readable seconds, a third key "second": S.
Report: {"hour": 3, "minute": 8}
